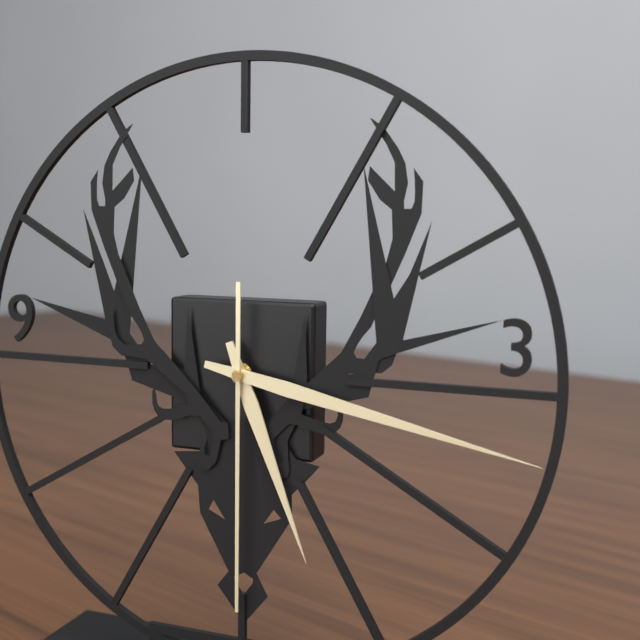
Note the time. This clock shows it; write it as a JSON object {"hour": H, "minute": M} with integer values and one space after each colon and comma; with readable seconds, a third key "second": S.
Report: {"hour": 5, "minute": 17, "second": 30}
